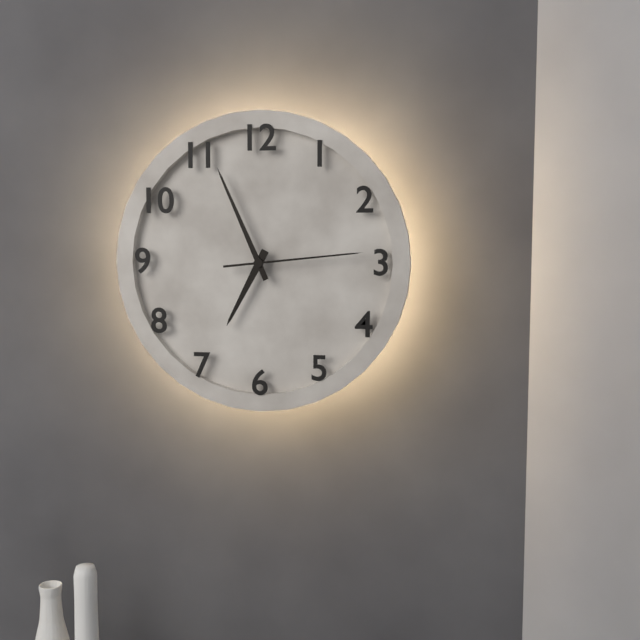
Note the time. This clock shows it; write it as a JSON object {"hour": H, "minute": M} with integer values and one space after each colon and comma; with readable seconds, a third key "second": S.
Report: {"hour": 6, "minute": 56, "second": 14}
